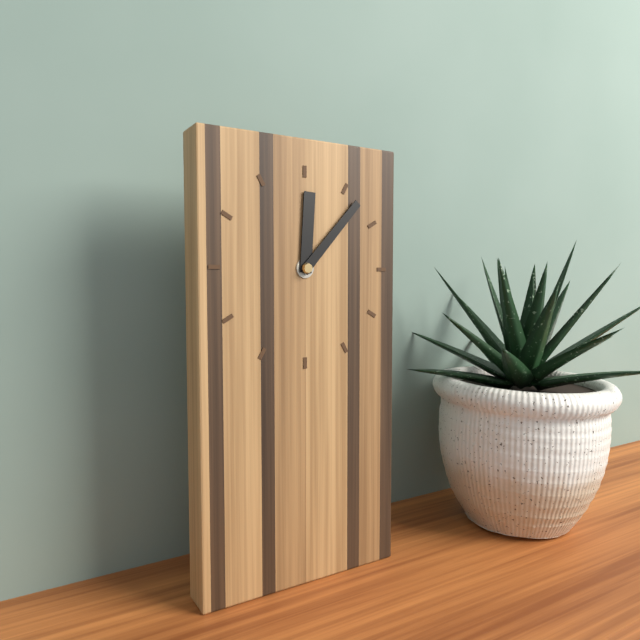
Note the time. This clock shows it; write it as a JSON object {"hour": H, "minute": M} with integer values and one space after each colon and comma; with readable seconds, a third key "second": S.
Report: {"hour": 12, "minute": 7}
